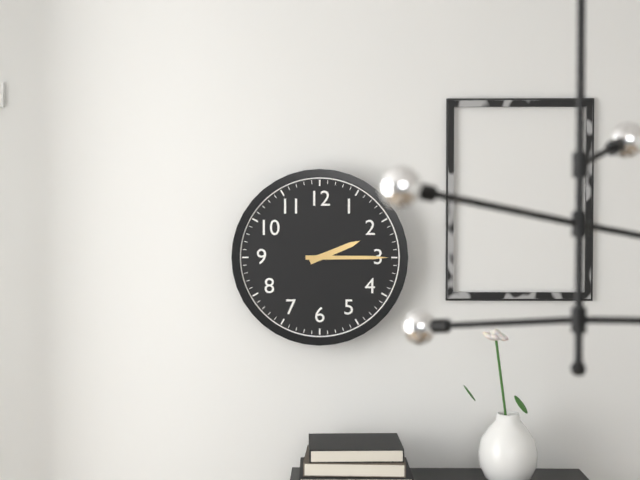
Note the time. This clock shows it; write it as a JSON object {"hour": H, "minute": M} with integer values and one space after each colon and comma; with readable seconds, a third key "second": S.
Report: {"hour": 2, "minute": 15}
